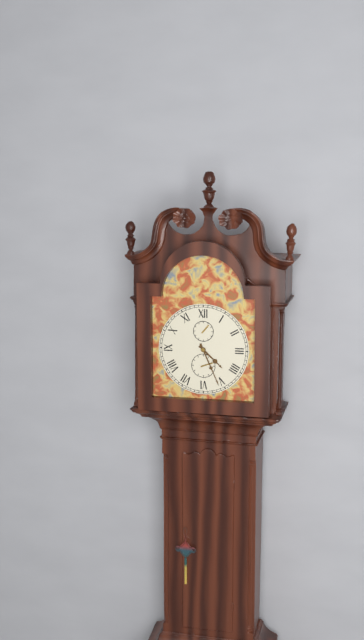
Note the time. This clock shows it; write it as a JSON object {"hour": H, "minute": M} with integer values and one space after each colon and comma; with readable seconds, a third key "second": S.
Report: {"hour": 4, "minute": 26}
